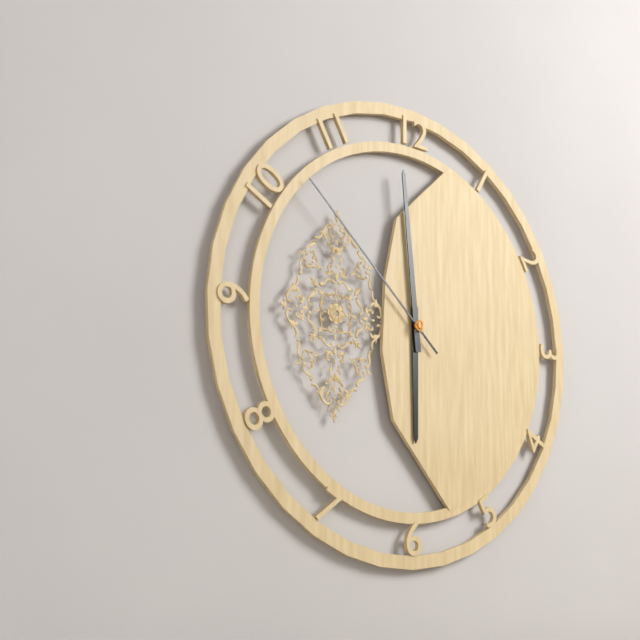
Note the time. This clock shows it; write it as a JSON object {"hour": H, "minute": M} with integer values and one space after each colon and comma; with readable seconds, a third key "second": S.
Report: {"hour": 5, "minute": 59, "second": 52}
